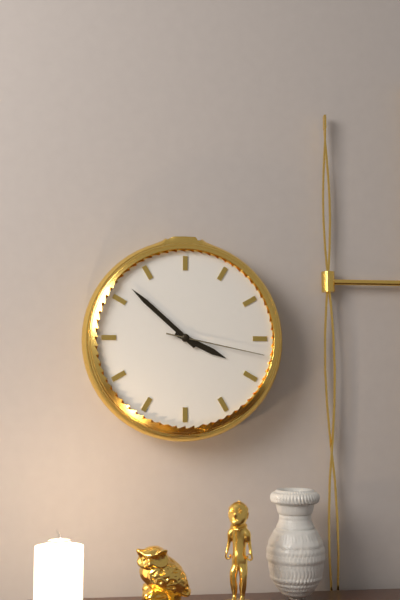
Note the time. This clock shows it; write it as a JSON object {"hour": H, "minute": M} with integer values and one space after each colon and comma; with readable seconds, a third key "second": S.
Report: {"hour": 3, "minute": 52, "second": 17}
